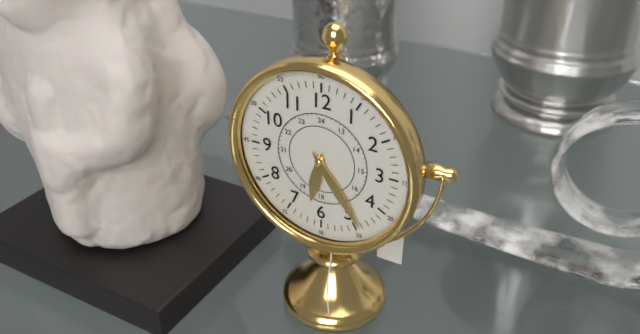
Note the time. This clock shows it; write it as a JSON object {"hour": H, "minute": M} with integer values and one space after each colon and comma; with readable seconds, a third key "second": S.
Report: {"hour": 6, "minute": 24}
